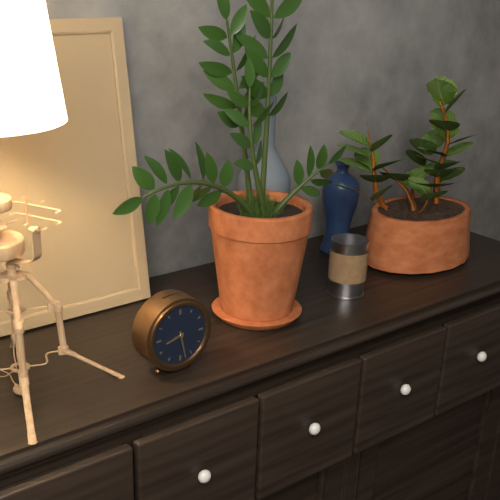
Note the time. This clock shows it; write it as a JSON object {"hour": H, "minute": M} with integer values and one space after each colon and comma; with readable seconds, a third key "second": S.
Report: {"hour": 8, "minute": 28}
